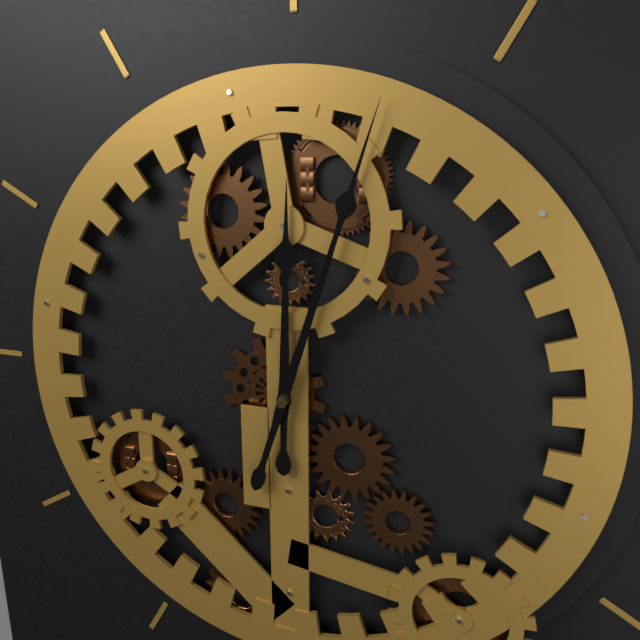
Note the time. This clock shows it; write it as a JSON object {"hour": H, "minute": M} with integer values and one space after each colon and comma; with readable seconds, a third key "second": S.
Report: {"hour": 12, "minute": 3}
